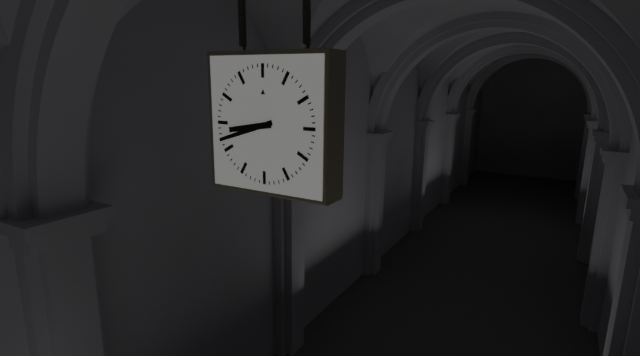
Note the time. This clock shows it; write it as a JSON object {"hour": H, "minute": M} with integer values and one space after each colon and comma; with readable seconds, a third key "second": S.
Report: {"hour": 8, "minute": 42}
